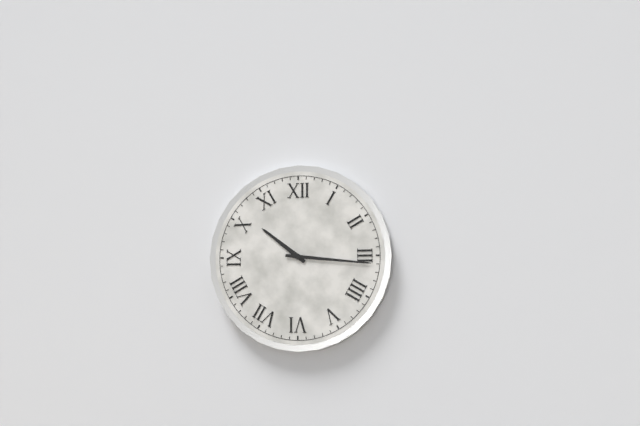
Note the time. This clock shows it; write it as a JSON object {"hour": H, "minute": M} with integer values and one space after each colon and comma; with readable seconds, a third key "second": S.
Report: {"hour": 10, "minute": 16}
